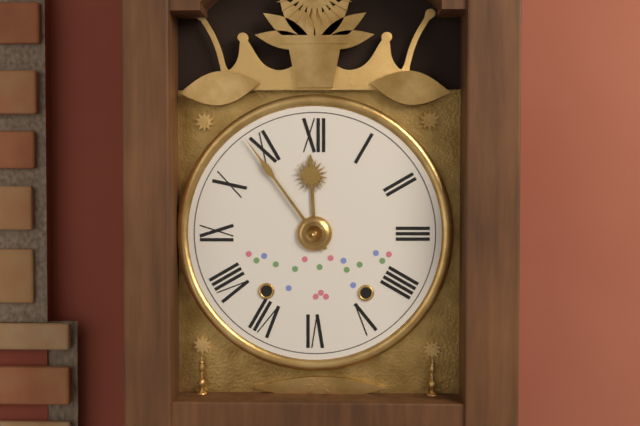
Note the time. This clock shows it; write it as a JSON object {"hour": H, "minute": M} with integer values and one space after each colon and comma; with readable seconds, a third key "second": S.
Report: {"hour": 11, "minute": 54}
